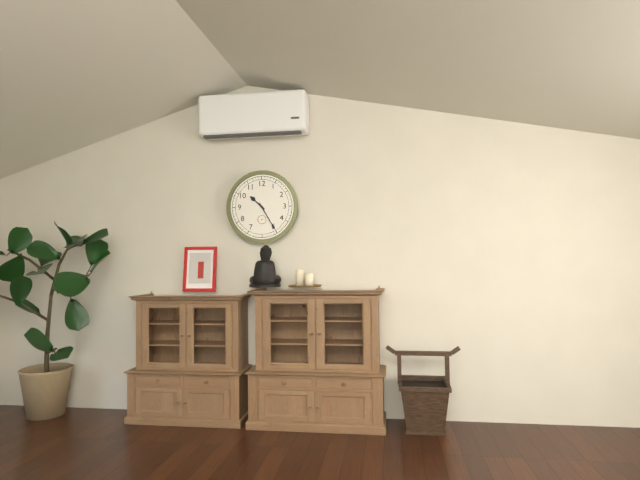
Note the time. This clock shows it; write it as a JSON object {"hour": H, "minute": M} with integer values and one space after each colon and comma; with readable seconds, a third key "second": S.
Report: {"hour": 10, "minute": 25}
